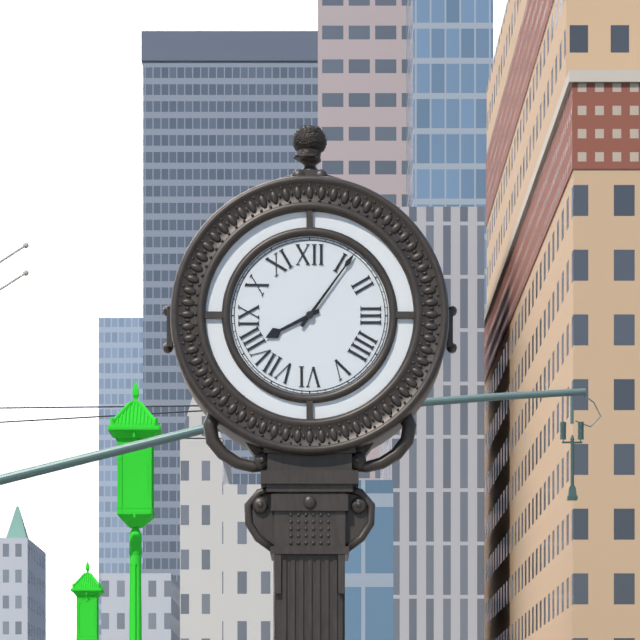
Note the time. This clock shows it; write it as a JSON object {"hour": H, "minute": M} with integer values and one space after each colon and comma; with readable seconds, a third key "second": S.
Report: {"hour": 8, "minute": 6}
